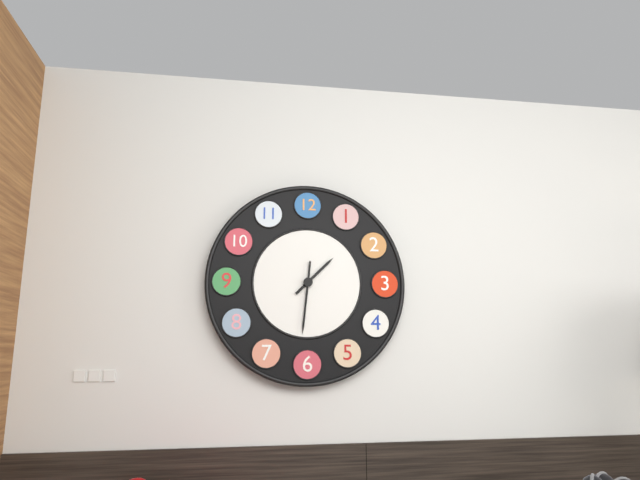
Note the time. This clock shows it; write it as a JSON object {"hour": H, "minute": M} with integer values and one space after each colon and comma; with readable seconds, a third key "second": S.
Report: {"hour": 1, "minute": 31}
